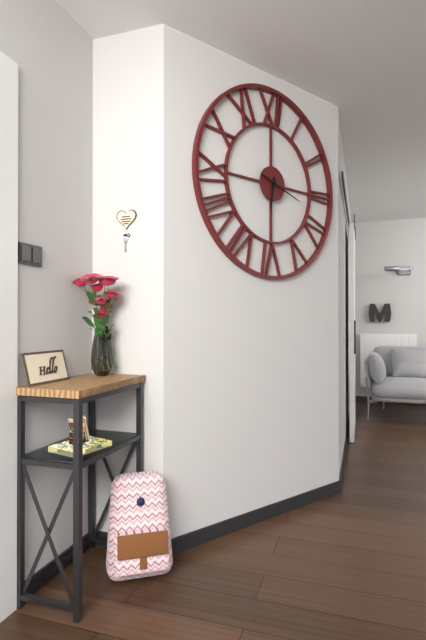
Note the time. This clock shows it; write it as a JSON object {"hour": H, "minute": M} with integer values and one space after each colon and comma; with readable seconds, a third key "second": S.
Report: {"hour": 6, "minute": 18}
